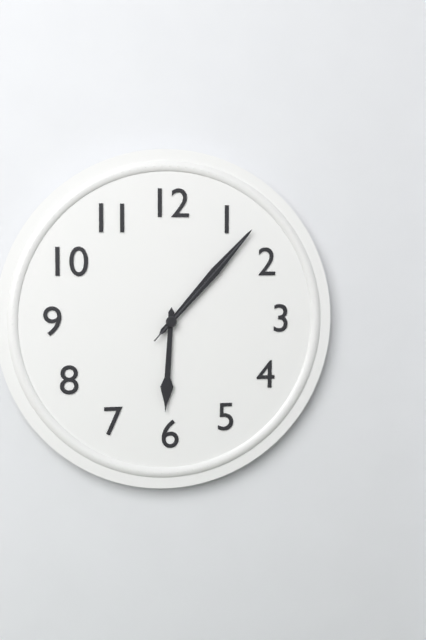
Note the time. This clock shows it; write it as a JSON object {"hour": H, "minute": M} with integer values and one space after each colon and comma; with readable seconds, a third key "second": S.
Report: {"hour": 6, "minute": 7, "second": 7}
